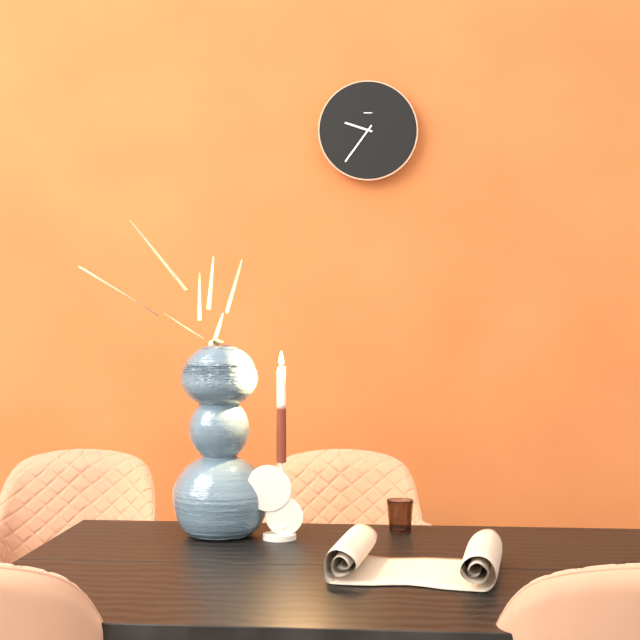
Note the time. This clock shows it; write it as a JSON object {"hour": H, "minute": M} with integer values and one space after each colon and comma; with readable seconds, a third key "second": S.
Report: {"hour": 9, "minute": 36}
